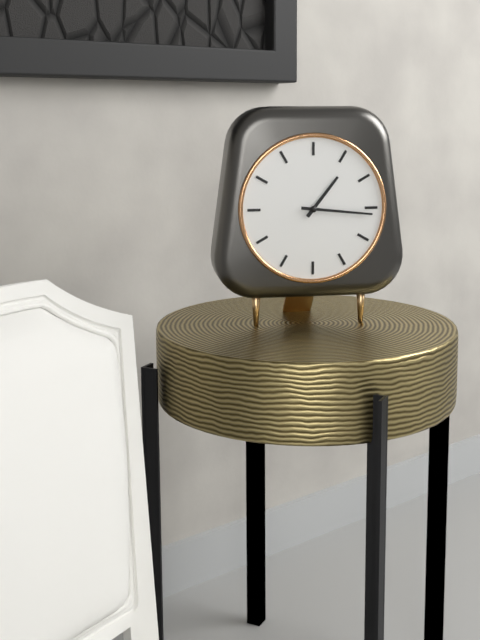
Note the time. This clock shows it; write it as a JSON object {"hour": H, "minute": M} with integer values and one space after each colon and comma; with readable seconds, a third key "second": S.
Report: {"hour": 1, "minute": 16}
